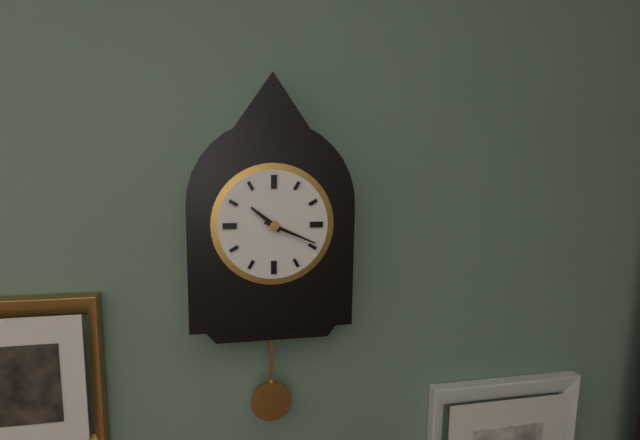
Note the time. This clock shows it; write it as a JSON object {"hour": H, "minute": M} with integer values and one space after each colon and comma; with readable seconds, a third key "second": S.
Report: {"hour": 10, "minute": 19}
